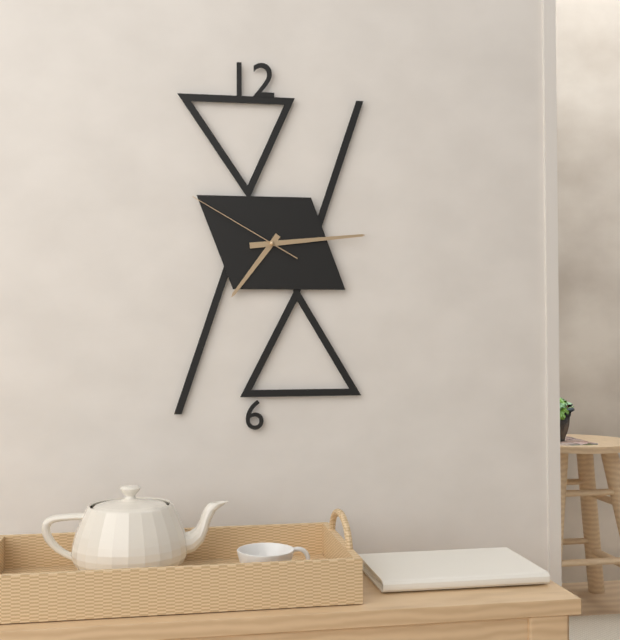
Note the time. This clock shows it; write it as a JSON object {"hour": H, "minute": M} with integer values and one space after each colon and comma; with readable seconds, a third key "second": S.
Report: {"hour": 7, "minute": 14, "second": 50}
